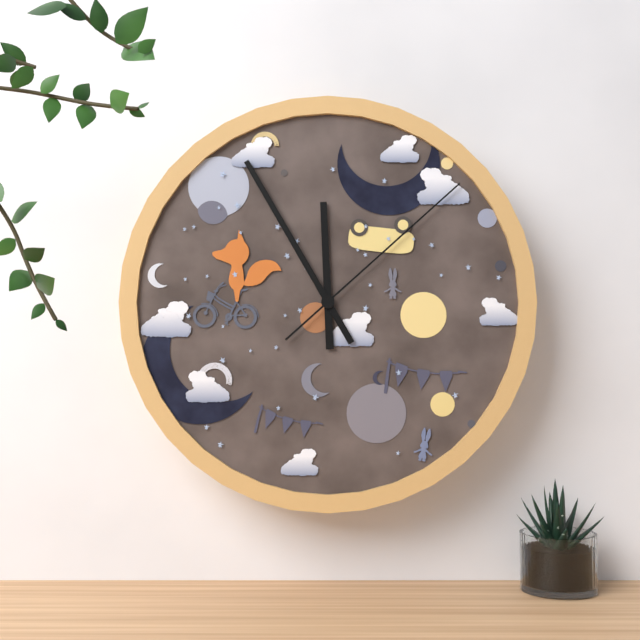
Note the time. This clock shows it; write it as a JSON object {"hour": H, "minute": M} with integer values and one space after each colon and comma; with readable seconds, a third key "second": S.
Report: {"hour": 11, "minute": 55, "second": 8}
